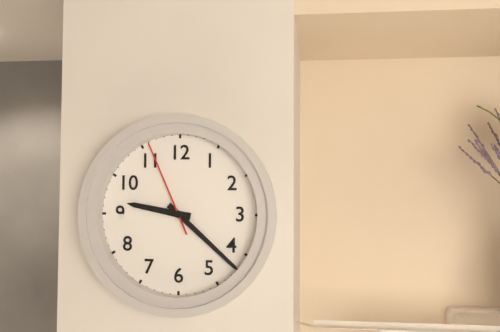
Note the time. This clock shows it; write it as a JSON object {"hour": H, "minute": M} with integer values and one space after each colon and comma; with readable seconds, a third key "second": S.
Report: {"hour": 9, "minute": 22, "second": 56}
